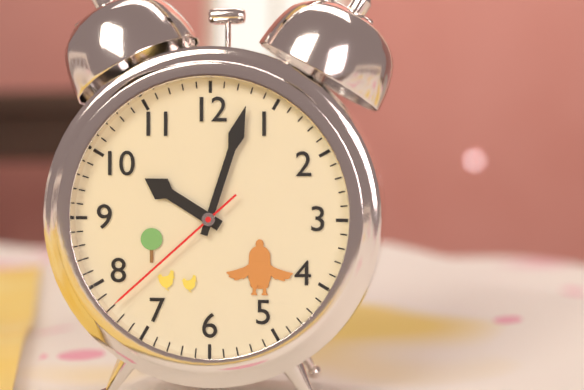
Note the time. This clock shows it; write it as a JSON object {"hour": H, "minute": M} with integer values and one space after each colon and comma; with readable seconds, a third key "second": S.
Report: {"hour": 10, "minute": 3, "second": 38}
